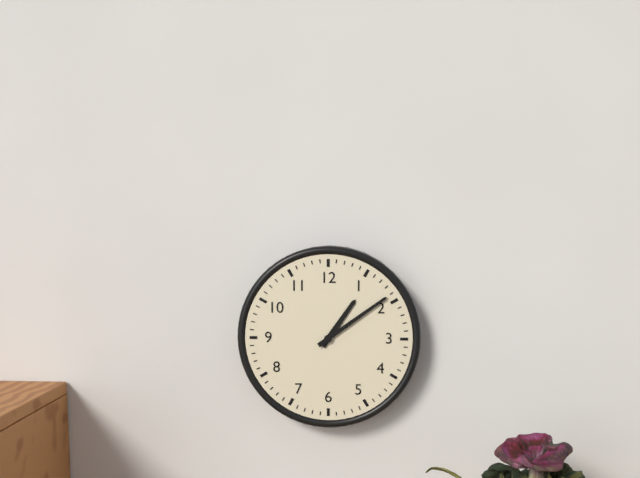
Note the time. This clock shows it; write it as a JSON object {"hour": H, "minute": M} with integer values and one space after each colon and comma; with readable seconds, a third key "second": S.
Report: {"hour": 1, "minute": 9}
